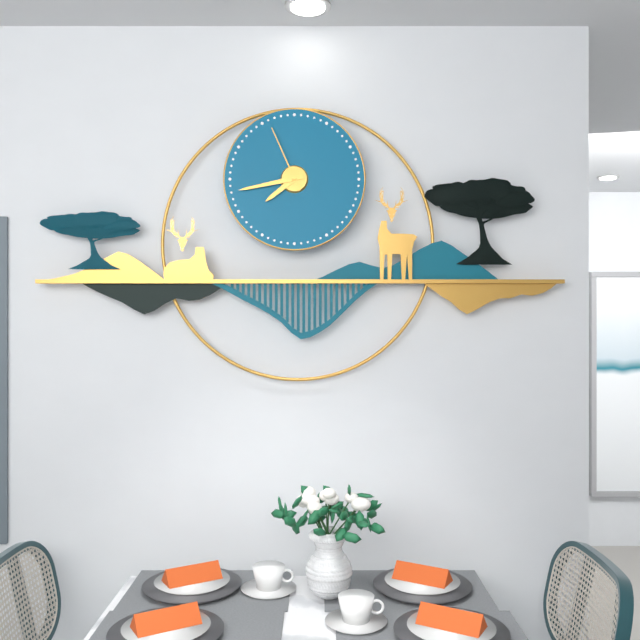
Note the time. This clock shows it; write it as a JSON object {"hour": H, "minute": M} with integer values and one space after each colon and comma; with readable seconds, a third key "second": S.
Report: {"hour": 7, "minute": 43, "second": 56}
